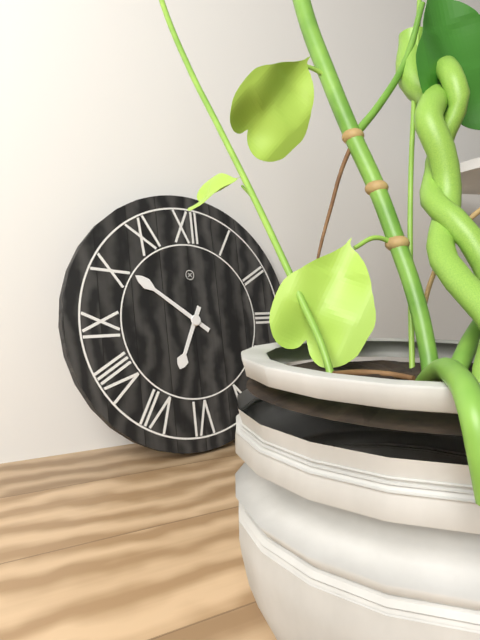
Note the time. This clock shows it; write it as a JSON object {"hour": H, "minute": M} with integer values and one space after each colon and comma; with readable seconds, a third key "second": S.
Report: {"hour": 6, "minute": 51}
